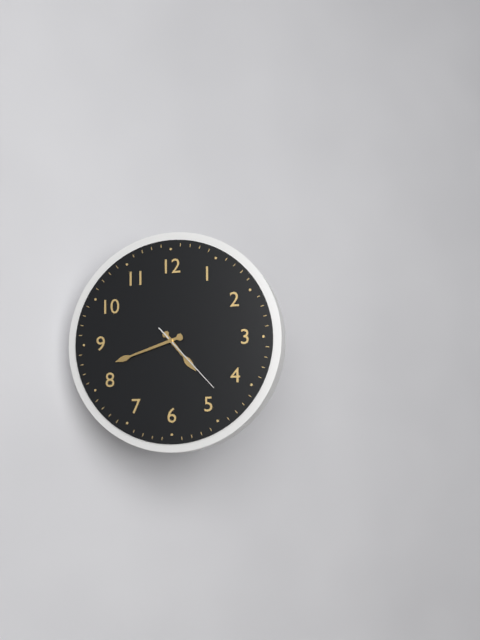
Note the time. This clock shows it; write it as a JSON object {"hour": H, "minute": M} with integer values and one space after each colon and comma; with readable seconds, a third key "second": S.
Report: {"hour": 4, "minute": 42, "second": 23}
